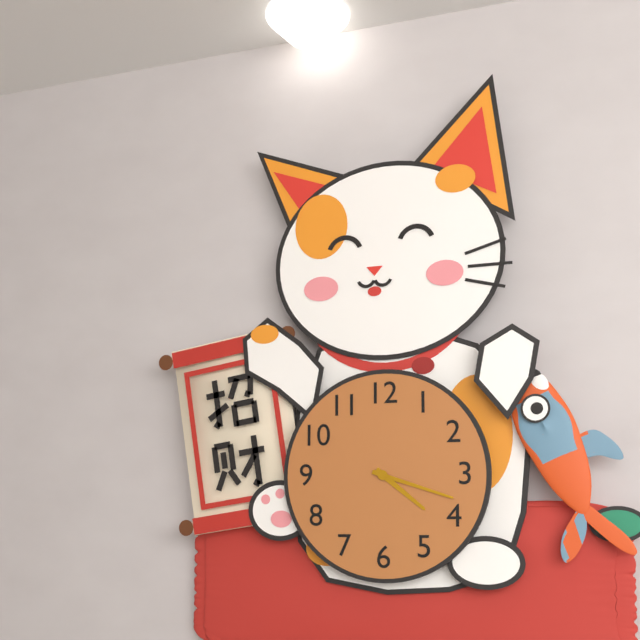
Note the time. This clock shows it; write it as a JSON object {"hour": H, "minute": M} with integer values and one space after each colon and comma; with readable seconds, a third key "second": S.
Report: {"hour": 4, "minute": 18}
